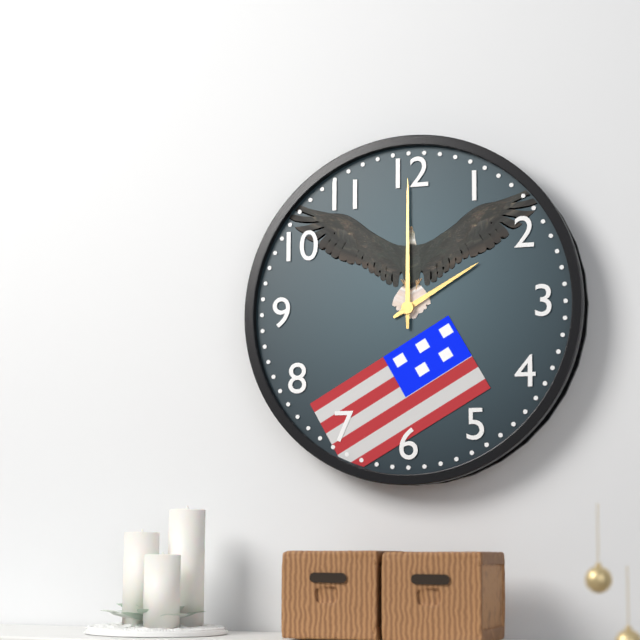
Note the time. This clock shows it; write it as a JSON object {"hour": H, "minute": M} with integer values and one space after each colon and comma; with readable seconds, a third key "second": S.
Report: {"hour": 2, "minute": 0}
